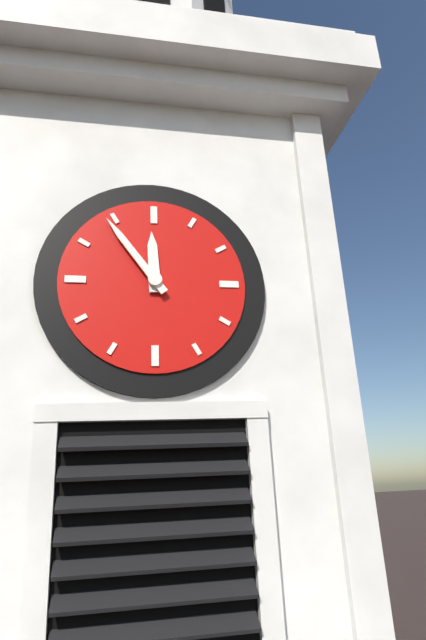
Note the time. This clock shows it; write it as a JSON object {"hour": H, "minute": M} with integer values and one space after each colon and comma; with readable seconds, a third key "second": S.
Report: {"hour": 11, "minute": 54}
